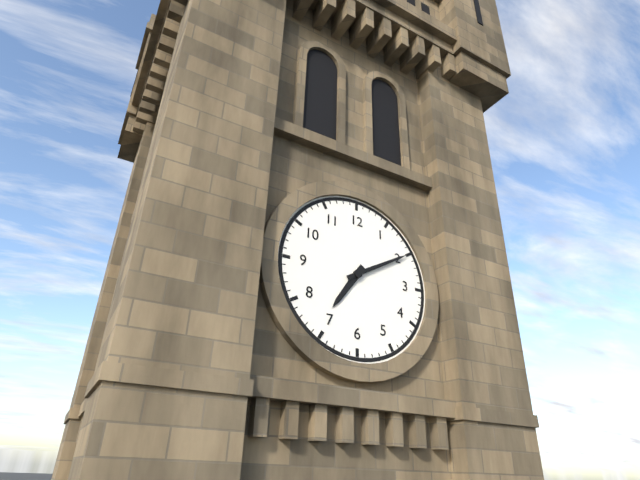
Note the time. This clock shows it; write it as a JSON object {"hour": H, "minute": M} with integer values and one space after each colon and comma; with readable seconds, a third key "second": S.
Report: {"hour": 7, "minute": 10}
